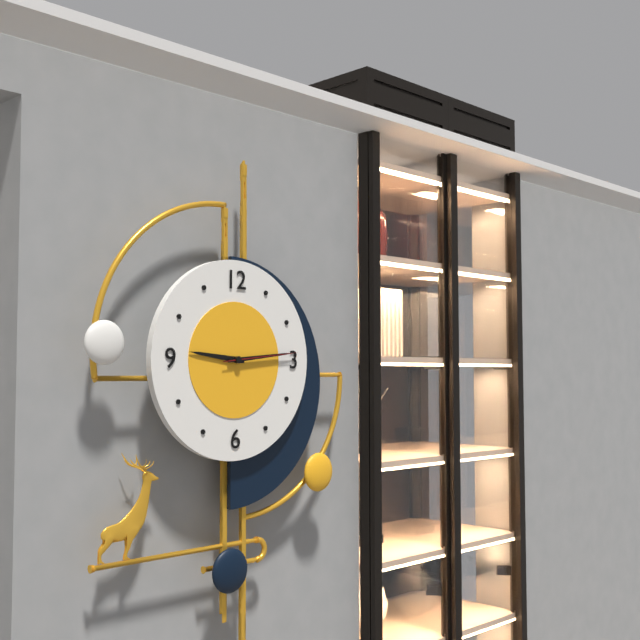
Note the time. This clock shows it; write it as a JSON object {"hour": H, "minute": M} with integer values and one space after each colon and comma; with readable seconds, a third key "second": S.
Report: {"hour": 9, "minute": 14, "second": 14}
